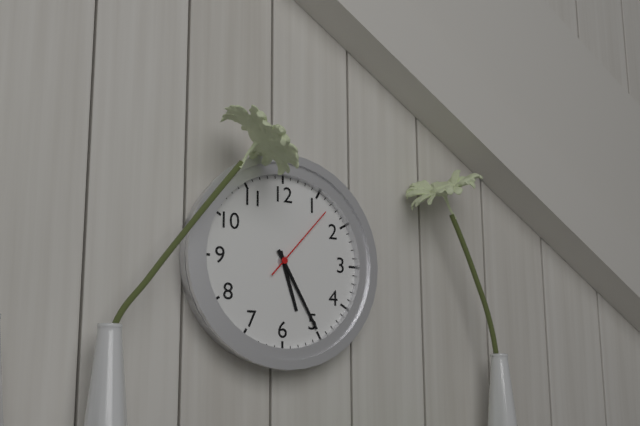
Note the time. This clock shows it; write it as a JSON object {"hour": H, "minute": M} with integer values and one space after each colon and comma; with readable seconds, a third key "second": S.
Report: {"hour": 5, "minute": 25, "second": 7}
